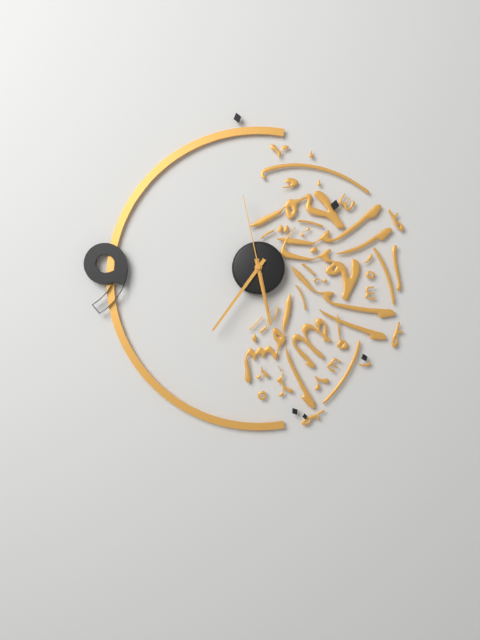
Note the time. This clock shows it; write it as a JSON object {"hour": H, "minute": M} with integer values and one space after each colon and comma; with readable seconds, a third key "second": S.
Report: {"hour": 5, "minute": 36, "second": 58}
